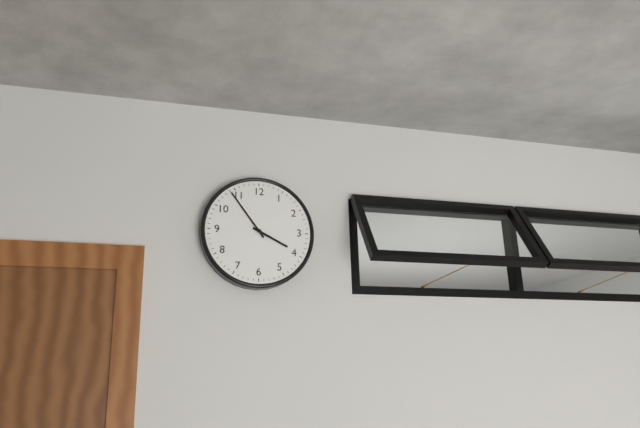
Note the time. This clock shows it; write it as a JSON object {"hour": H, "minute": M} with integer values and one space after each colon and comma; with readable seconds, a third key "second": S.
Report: {"hour": 3, "minute": 54}
